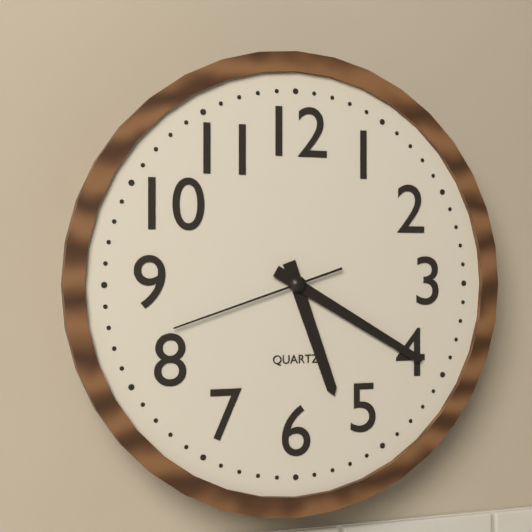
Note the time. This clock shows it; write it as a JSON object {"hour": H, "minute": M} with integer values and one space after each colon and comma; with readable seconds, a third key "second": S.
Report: {"hour": 5, "minute": 20, "second": 42}
